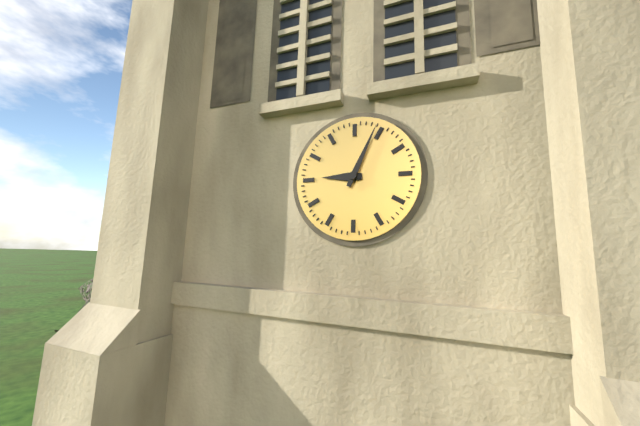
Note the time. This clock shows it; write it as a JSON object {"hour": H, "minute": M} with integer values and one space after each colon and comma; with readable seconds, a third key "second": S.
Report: {"hour": 9, "minute": 4}
